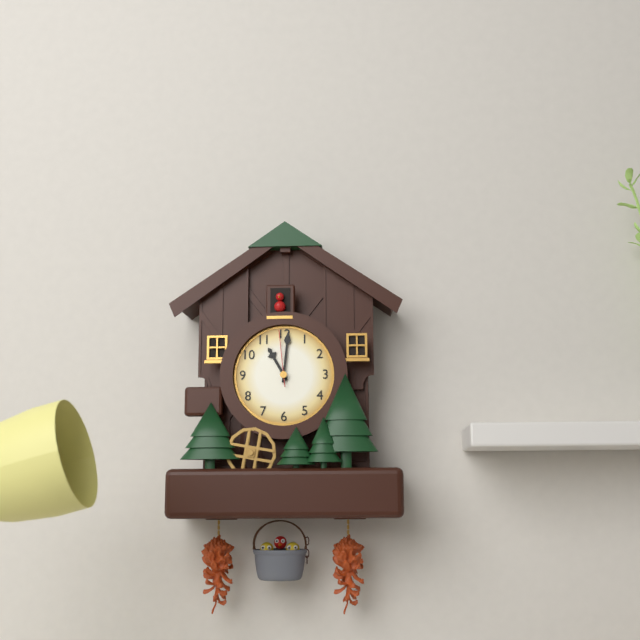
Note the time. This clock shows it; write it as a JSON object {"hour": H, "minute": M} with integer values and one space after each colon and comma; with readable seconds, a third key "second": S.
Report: {"hour": 11, "minute": 1, "second": 59}
